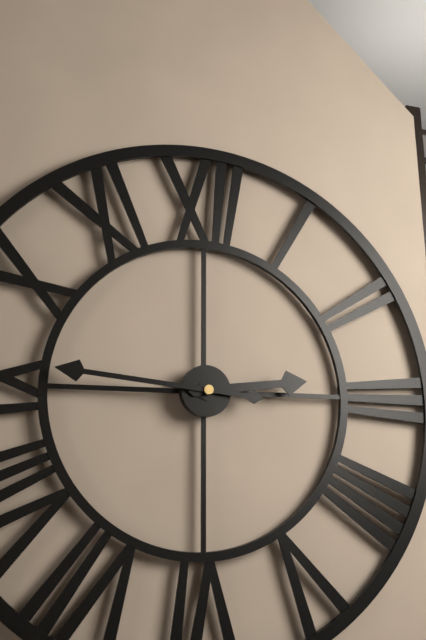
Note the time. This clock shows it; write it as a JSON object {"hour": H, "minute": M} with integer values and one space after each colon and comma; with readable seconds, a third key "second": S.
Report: {"hour": 2, "minute": 46}
